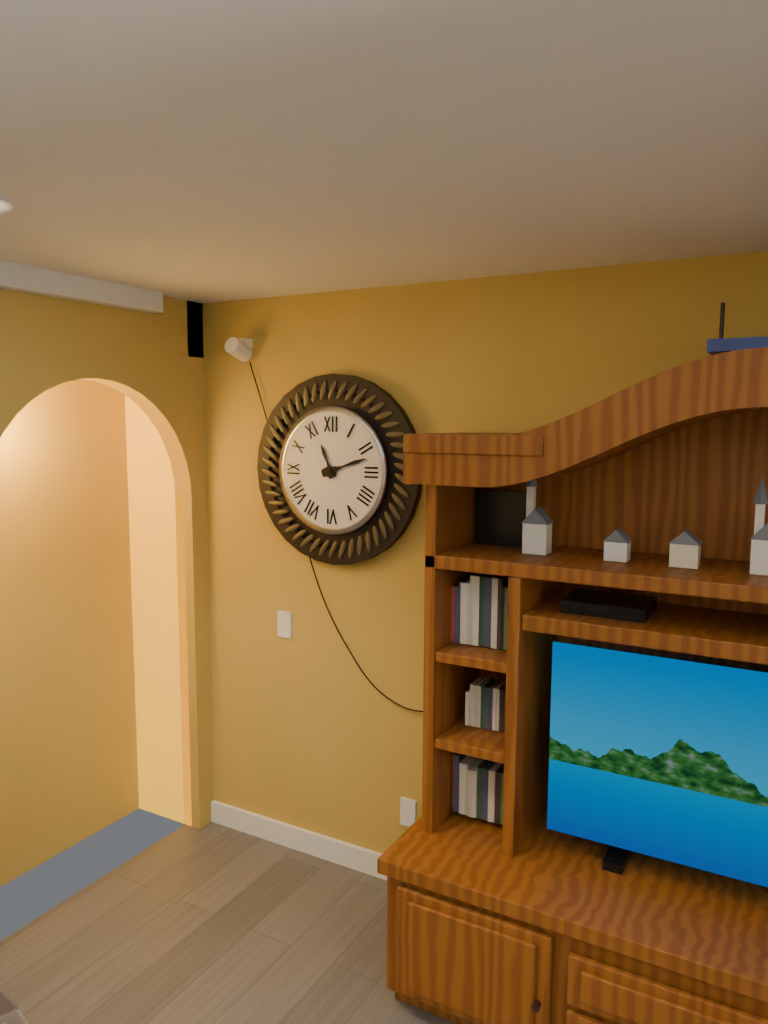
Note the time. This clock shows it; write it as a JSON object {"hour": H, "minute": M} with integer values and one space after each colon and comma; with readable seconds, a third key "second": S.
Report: {"hour": 11, "minute": 12}
